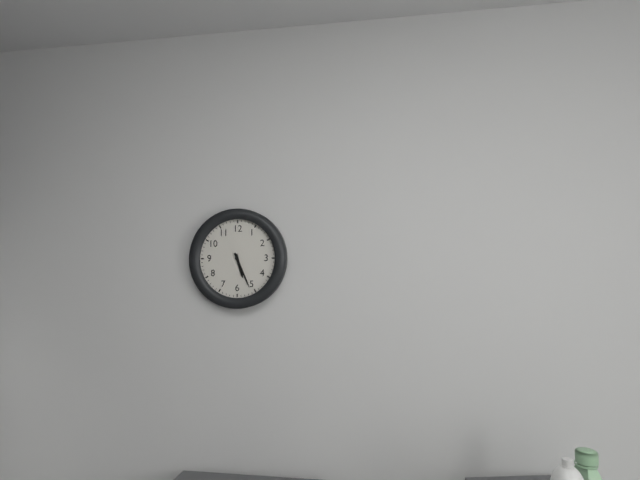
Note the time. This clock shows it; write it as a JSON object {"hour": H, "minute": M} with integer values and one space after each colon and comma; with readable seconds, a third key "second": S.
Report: {"hour": 5, "minute": 26}
